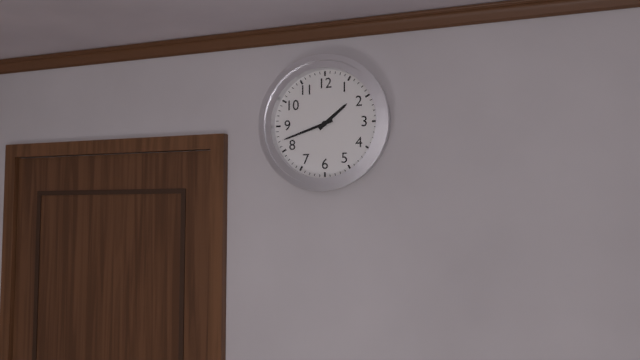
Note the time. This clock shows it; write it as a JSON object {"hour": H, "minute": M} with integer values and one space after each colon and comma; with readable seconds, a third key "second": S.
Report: {"hour": 1, "minute": 42}
